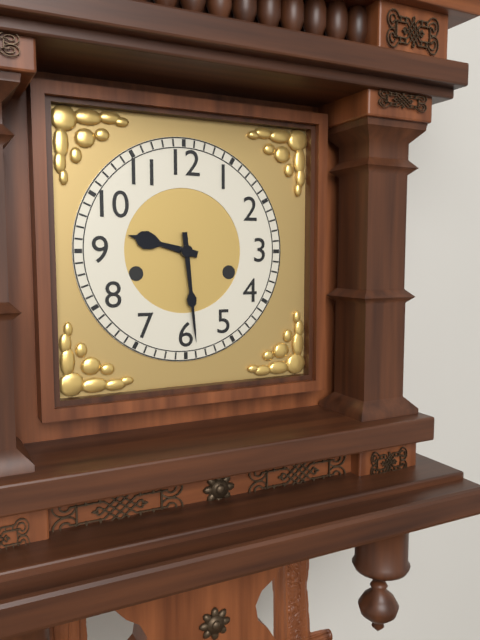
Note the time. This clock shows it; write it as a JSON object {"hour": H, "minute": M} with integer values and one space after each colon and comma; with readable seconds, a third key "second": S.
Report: {"hour": 9, "minute": 29}
